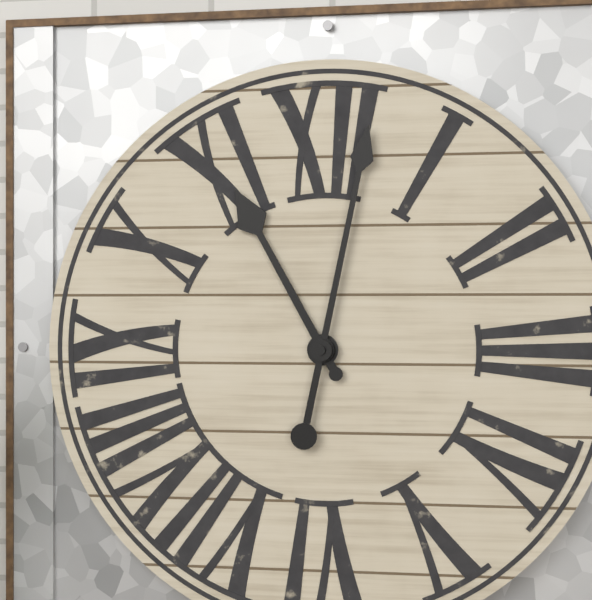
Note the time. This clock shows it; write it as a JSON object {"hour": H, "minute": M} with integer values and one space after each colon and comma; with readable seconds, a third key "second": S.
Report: {"hour": 11, "minute": 2}
